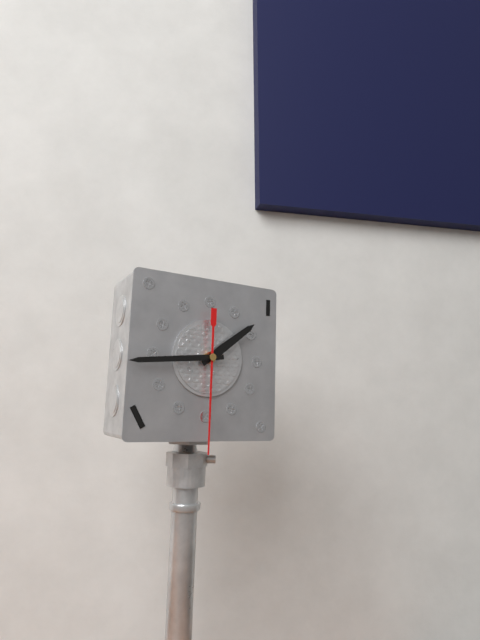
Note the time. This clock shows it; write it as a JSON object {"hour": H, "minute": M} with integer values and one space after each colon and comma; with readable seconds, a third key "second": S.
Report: {"hour": 1, "minute": 44, "second": 30}
